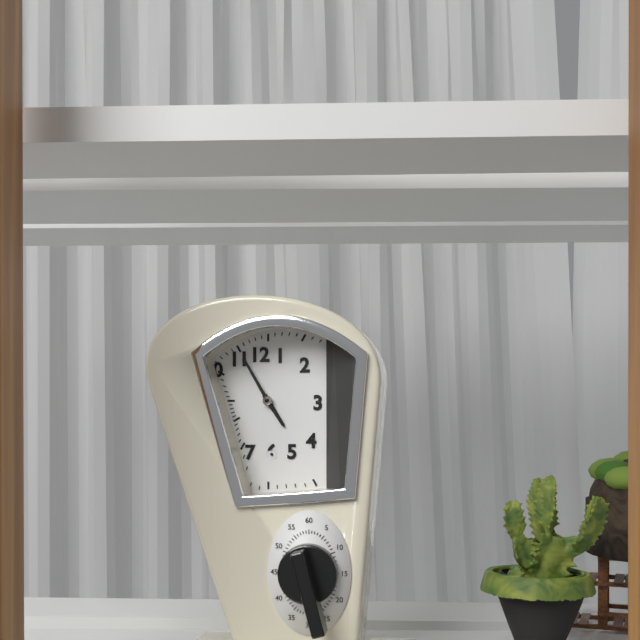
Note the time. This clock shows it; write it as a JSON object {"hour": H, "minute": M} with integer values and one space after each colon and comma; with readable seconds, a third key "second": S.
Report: {"hour": 4, "minute": 55}
